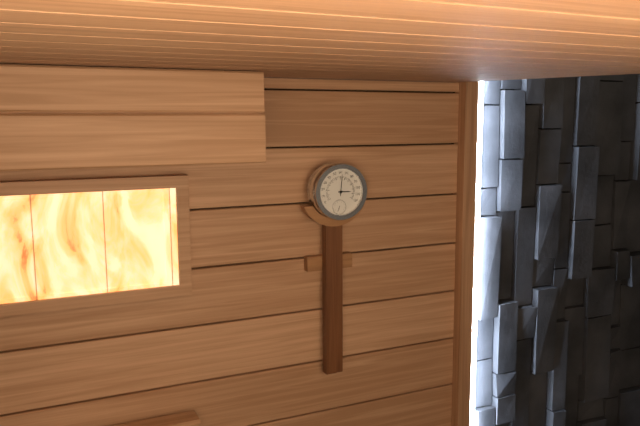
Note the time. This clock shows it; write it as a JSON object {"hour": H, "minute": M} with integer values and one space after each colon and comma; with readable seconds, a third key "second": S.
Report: {"hour": 3, "minute": 1}
